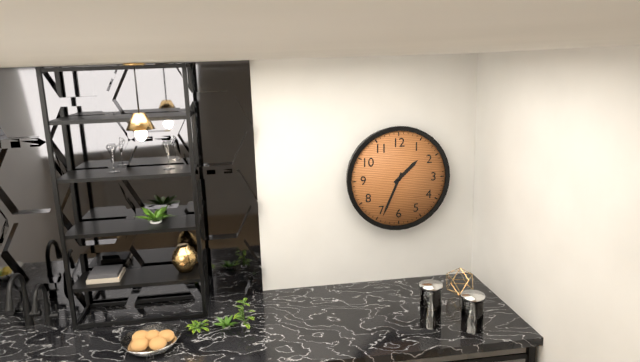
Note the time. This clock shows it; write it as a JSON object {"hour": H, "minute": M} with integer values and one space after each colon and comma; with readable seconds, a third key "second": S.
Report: {"hour": 1, "minute": 34}
